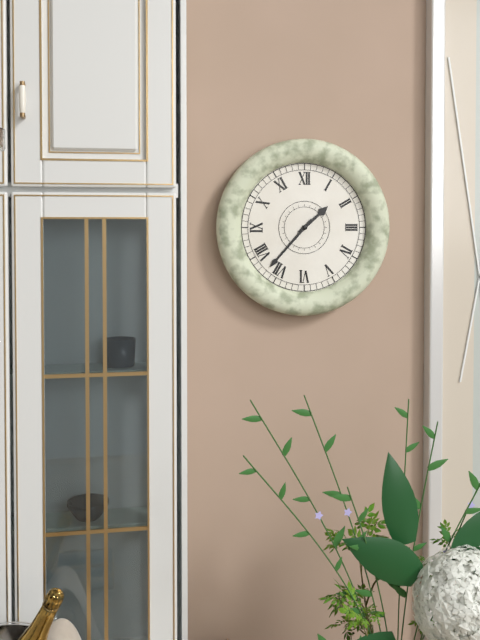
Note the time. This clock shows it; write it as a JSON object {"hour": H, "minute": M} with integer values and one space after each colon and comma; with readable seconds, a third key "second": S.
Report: {"hour": 1, "minute": 37}
